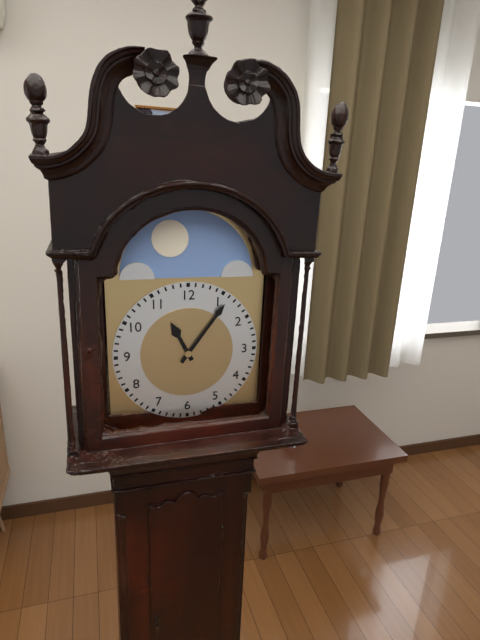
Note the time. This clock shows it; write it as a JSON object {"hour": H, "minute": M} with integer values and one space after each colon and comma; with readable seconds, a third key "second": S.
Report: {"hour": 11, "minute": 6}
